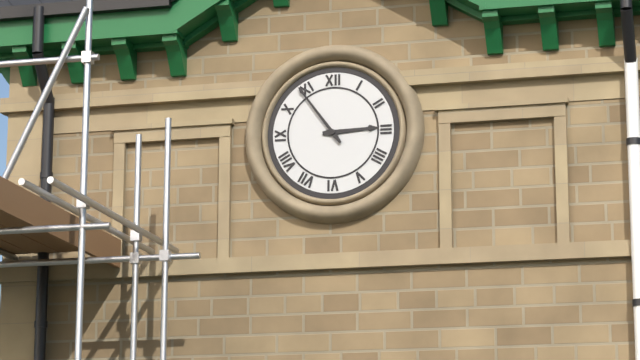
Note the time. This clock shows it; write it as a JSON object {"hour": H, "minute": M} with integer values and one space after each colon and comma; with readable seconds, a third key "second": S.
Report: {"hour": 2, "minute": 54}
